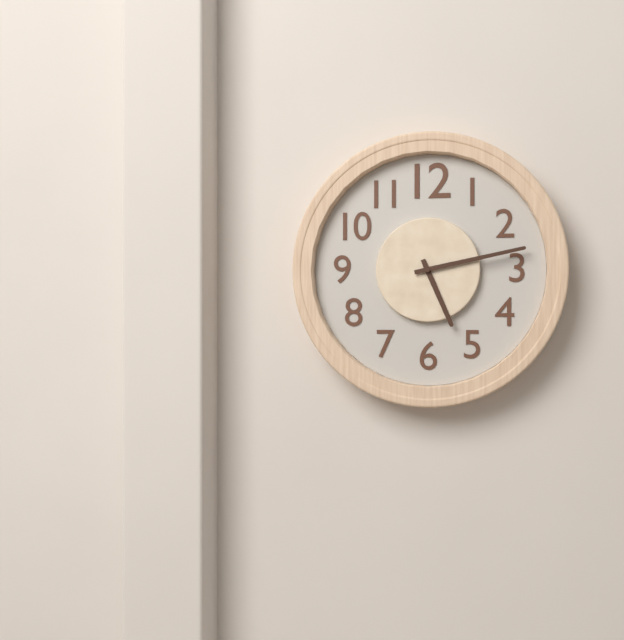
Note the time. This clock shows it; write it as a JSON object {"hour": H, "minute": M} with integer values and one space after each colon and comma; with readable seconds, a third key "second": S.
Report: {"hour": 5, "minute": 13}
